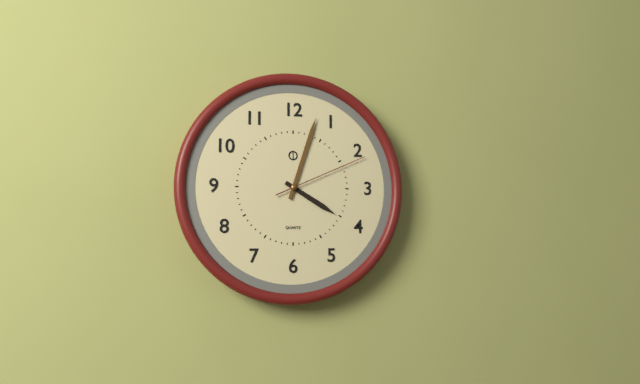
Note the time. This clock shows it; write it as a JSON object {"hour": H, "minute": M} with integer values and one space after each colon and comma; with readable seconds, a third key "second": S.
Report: {"hour": 4, "minute": 3, "second": 11}
